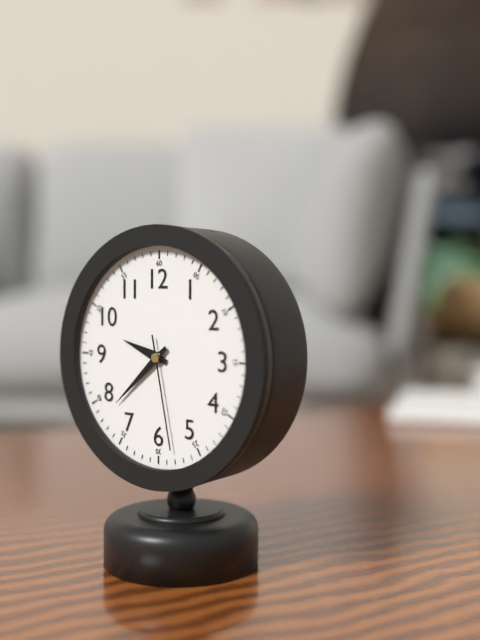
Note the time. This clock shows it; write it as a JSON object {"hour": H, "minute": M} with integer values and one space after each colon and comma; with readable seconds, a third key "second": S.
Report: {"hour": 9, "minute": 38, "second": 28}
